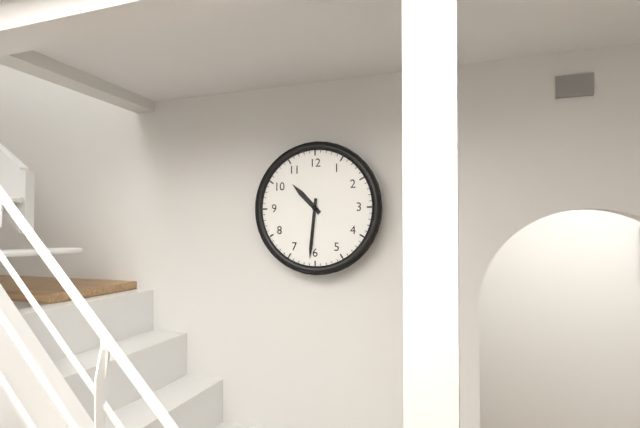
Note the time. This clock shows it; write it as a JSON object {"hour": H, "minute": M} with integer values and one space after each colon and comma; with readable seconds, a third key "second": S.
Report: {"hour": 10, "minute": 31}
